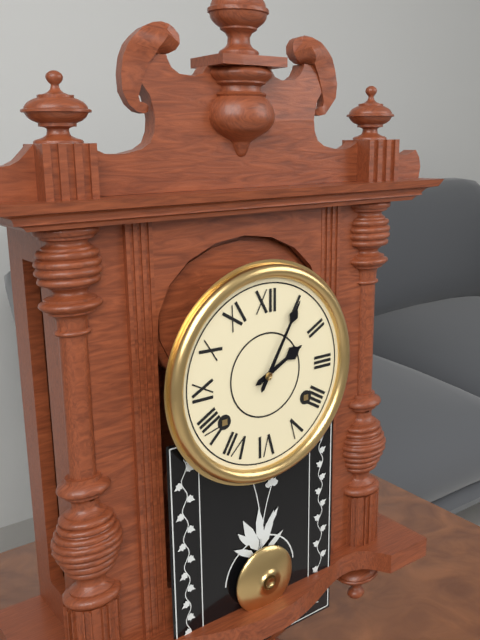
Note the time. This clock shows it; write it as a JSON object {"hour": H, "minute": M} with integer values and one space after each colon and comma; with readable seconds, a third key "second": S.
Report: {"hour": 2, "minute": 5}
